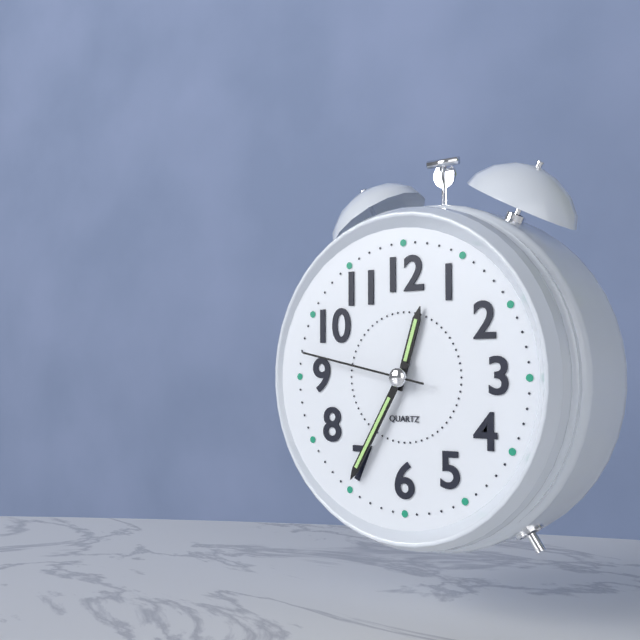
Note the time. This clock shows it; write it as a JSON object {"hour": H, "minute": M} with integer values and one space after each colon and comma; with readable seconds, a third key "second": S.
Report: {"hour": 12, "minute": 35, "second": 47}
